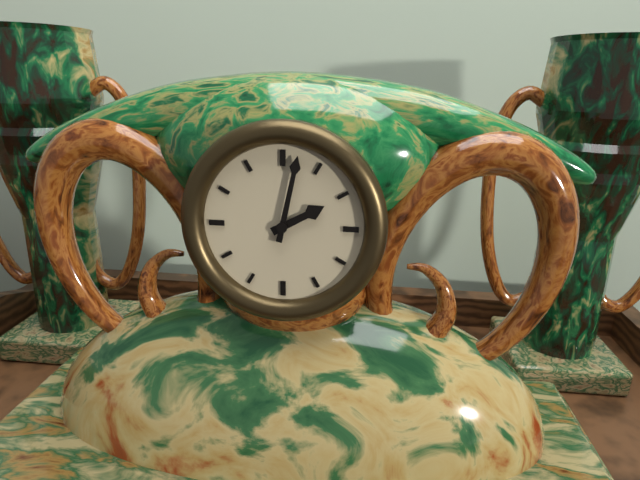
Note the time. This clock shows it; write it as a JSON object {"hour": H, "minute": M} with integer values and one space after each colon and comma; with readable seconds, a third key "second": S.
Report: {"hour": 2, "minute": 2}
